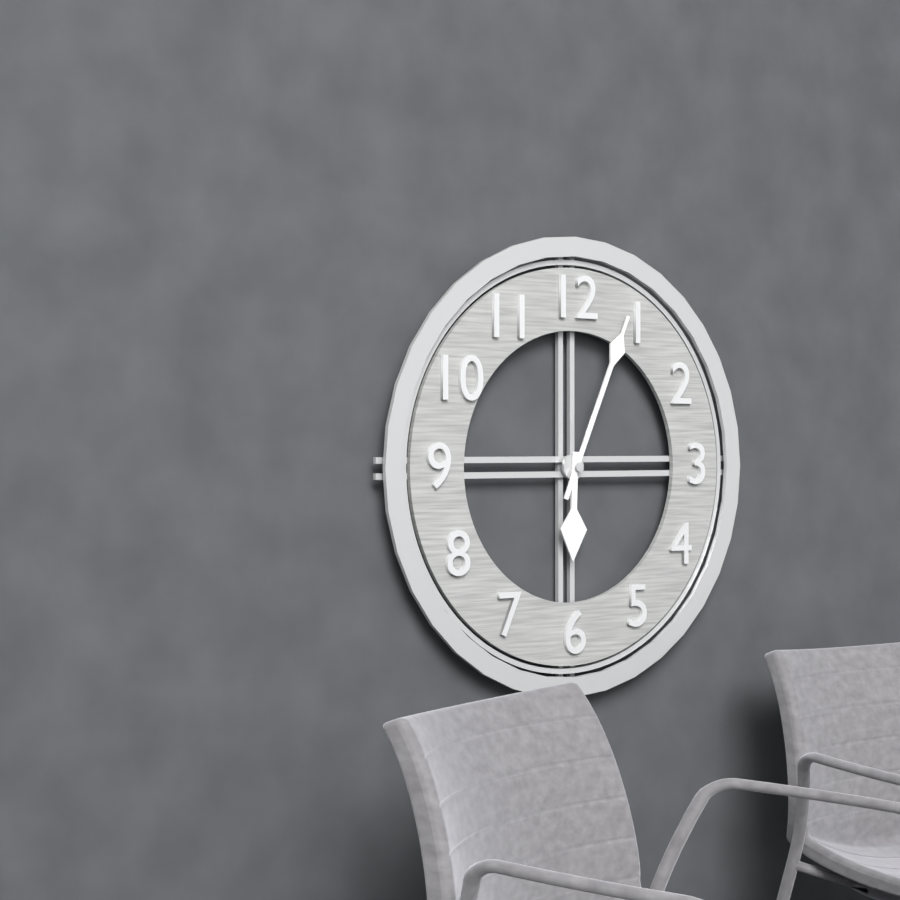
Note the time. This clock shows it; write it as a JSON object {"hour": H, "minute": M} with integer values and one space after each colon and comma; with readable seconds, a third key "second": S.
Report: {"hour": 6, "minute": 4}
